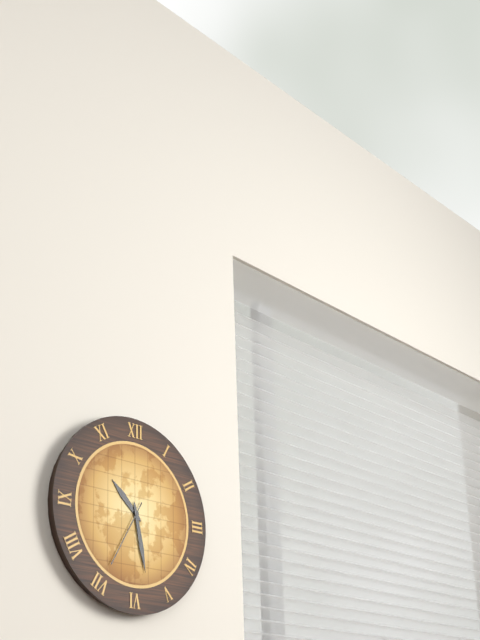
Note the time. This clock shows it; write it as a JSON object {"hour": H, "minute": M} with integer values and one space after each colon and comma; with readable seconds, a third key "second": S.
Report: {"hour": 10, "minute": 28, "second": 35}
